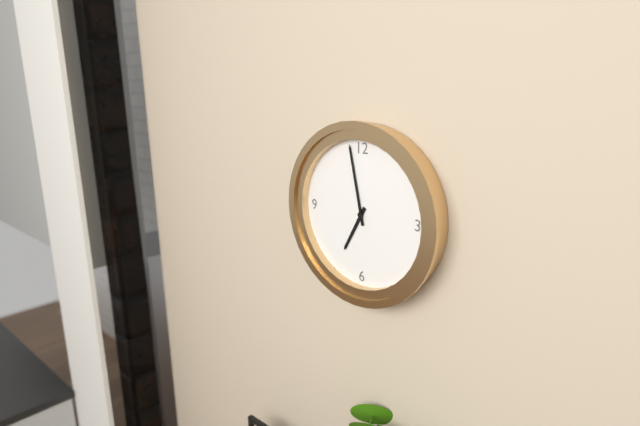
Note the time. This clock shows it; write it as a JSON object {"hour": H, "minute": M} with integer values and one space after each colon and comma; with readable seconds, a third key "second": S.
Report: {"hour": 6, "minute": 58}
